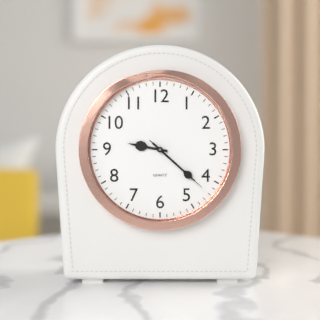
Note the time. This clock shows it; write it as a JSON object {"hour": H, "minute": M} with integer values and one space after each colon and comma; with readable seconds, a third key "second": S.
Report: {"hour": 9, "minute": 22, "second": 22}
